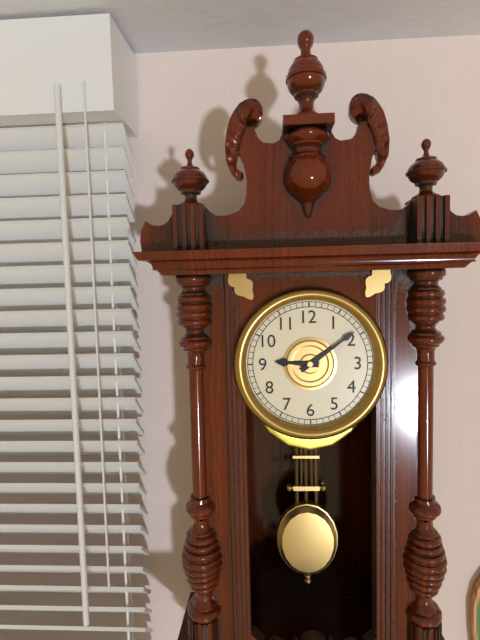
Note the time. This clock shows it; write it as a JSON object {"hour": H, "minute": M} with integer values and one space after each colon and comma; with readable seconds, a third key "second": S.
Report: {"hour": 9, "minute": 9}
